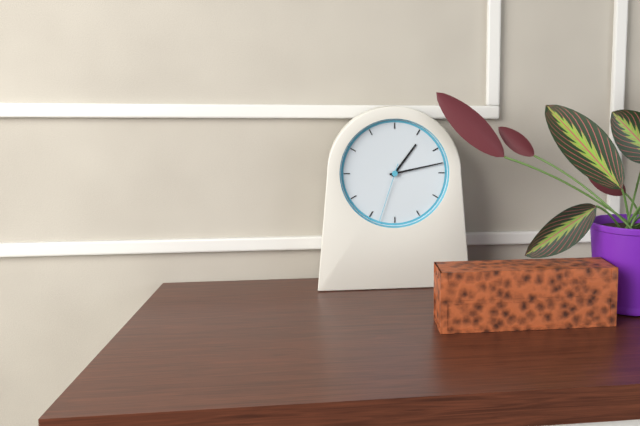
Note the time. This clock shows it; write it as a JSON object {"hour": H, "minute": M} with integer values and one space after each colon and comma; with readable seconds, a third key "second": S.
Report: {"hour": 1, "minute": 13, "second": 33}
